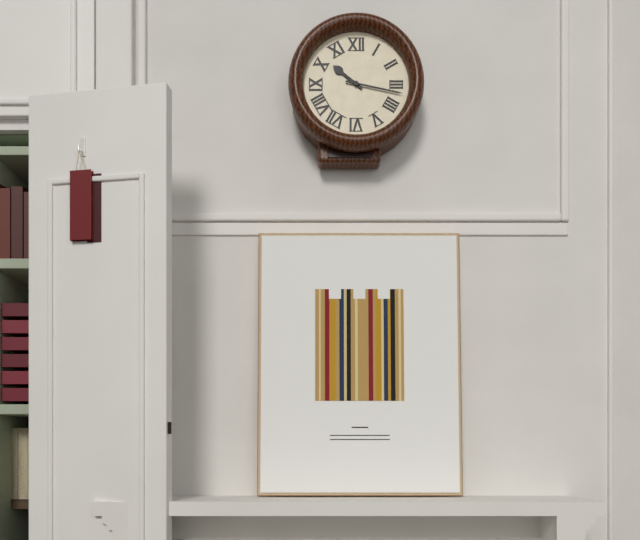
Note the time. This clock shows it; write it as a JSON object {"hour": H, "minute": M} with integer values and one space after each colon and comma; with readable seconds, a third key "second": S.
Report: {"hour": 10, "minute": 17}
